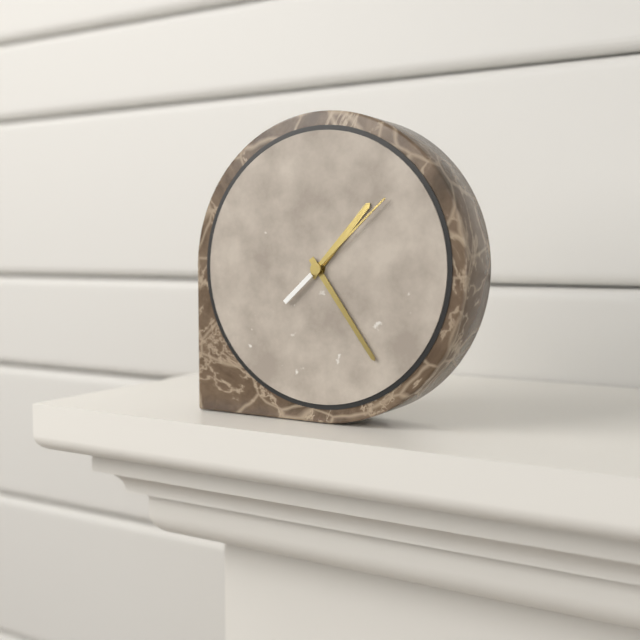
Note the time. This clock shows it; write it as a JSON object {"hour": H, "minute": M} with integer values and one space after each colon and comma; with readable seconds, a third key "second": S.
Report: {"hour": 1, "minute": 24, "second": 8}
